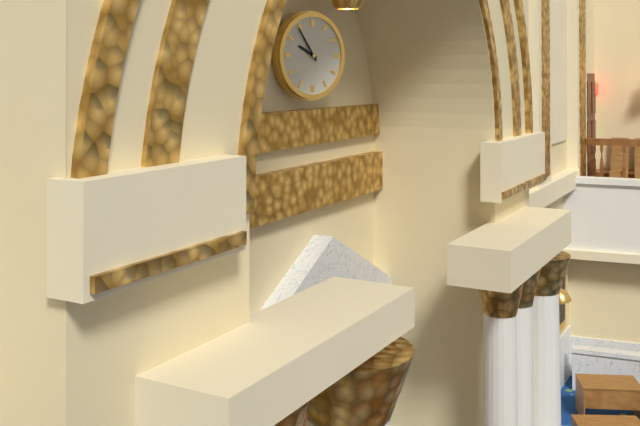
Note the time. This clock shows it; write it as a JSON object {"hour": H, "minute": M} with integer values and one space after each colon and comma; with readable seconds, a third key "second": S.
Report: {"hour": 9, "minute": 54}
